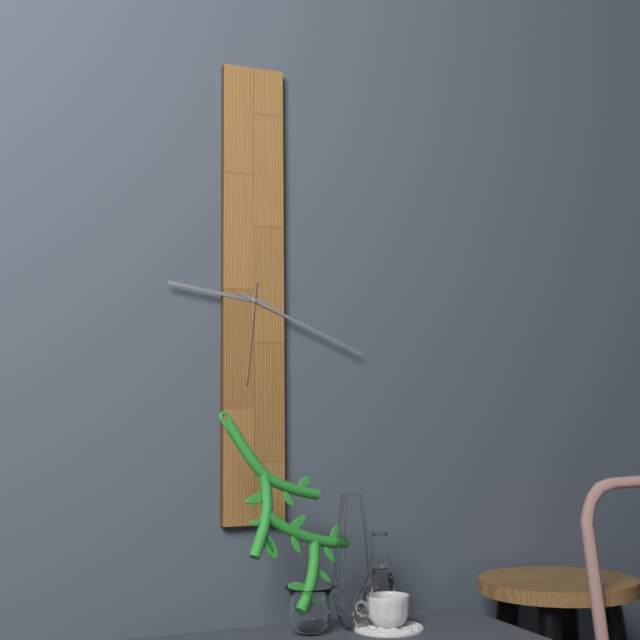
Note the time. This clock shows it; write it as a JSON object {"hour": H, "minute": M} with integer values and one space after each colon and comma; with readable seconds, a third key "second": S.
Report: {"hour": 9, "minute": 19, "second": 31}
